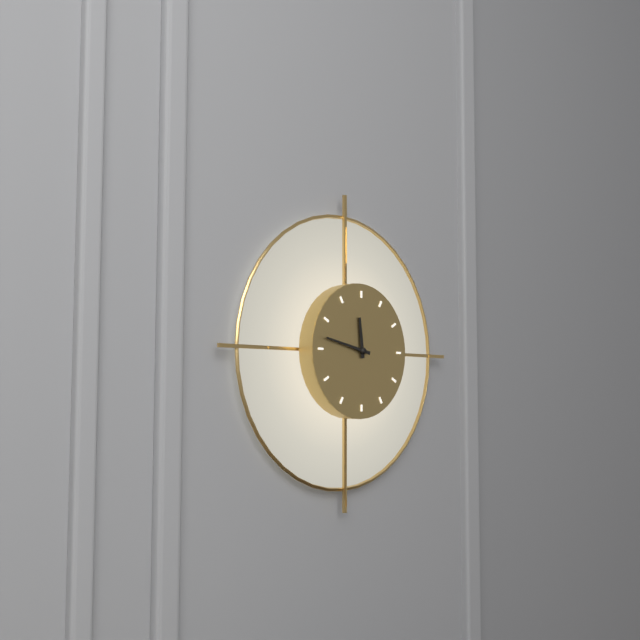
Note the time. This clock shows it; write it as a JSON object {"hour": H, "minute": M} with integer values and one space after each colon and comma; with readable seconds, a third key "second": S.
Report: {"hour": 11, "minute": 47}
